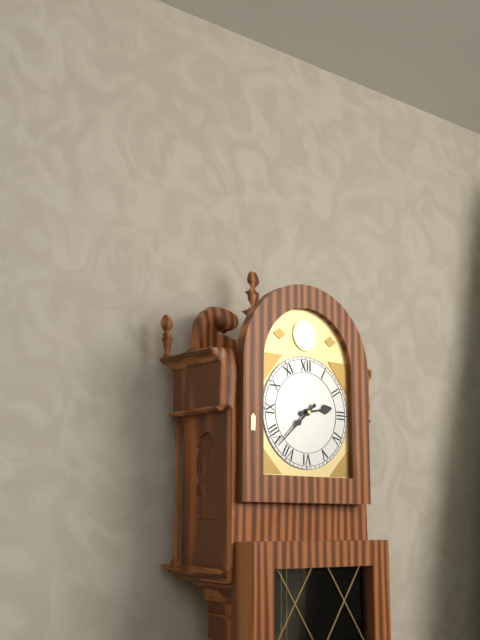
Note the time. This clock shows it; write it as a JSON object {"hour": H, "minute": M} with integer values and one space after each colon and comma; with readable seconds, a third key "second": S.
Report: {"hour": 2, "minute": 38}
